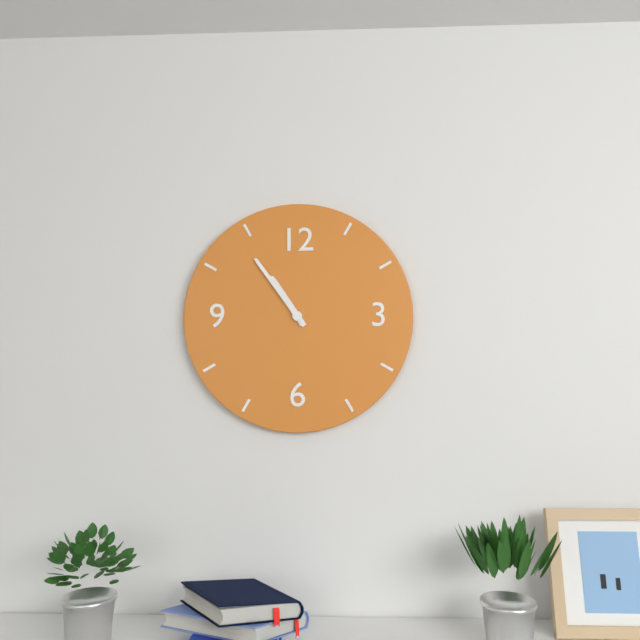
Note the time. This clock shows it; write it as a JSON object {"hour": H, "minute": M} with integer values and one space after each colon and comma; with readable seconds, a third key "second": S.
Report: {"hour": 10, "minute": 54}
